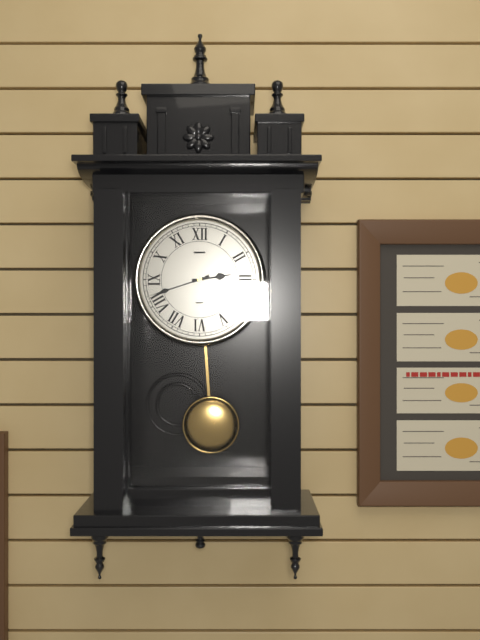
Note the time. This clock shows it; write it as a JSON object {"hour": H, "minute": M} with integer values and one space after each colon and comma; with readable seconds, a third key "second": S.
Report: {"hour": 2, "minute": 42}
